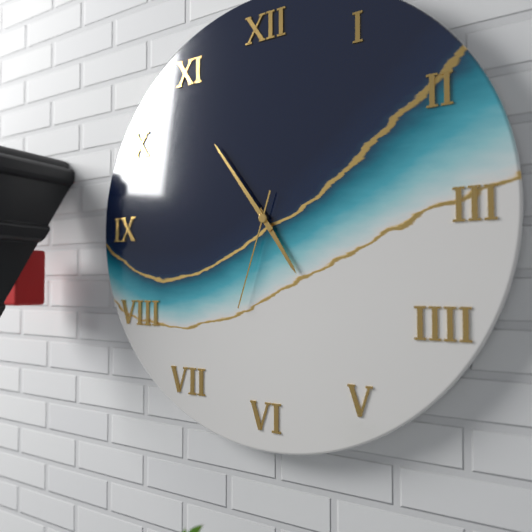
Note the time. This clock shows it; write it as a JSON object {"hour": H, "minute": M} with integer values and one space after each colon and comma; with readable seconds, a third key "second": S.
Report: {"hour": 4, "minute": 54, "second": 33}
